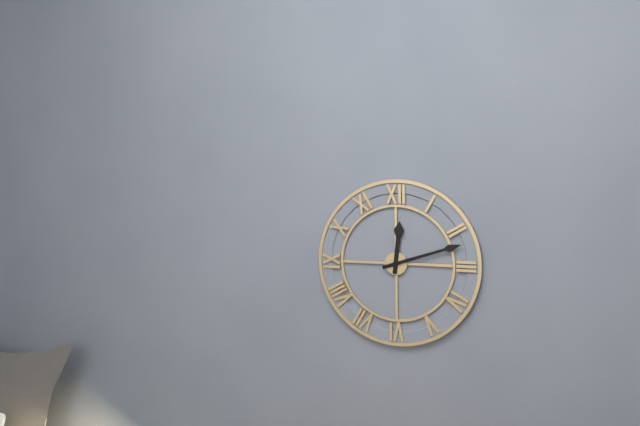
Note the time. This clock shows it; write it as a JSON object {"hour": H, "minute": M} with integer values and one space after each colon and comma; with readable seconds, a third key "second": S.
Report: {"hour": 12, "minute": 12}
